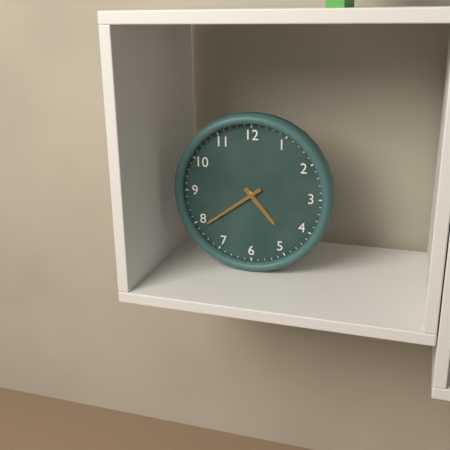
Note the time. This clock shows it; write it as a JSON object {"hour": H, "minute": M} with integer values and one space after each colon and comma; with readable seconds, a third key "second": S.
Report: {"hour": 4, "minute": 39}
